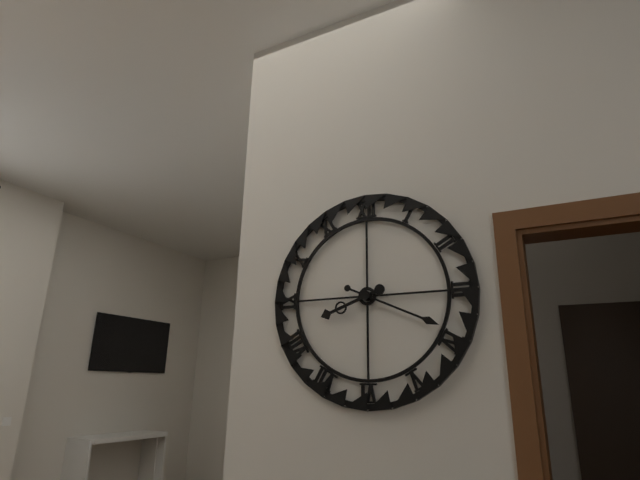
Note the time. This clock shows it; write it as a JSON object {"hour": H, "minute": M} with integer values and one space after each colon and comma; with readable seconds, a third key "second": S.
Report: {"hour": 8, "minute": 19}
